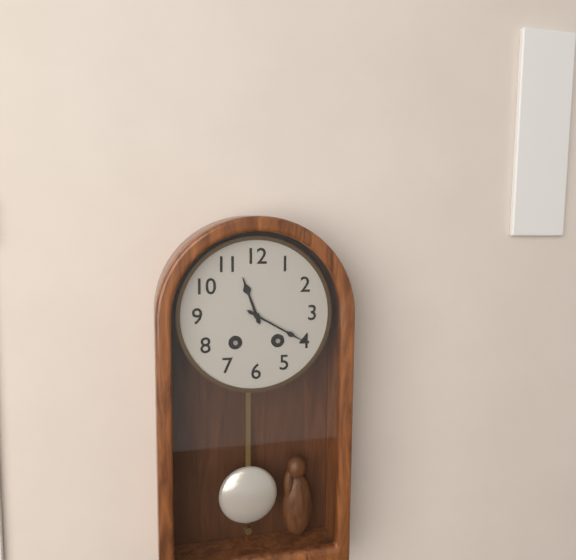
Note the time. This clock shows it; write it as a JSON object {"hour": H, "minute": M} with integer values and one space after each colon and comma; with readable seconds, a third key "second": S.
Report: {"hour": 11, "minute": 20}
